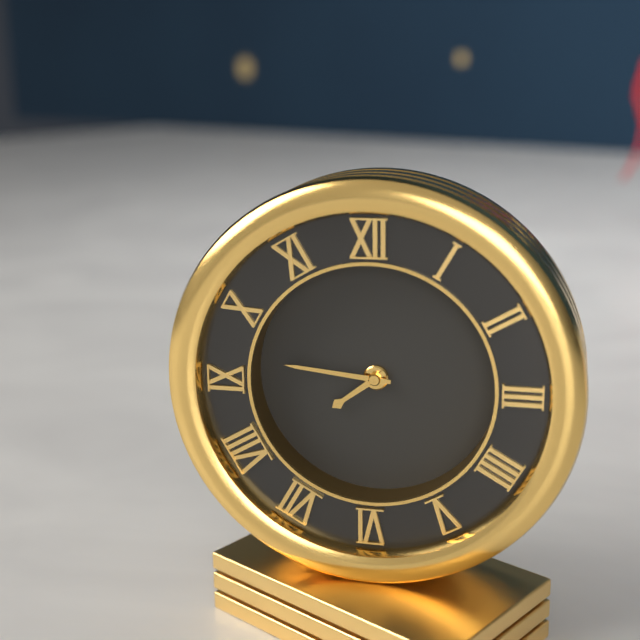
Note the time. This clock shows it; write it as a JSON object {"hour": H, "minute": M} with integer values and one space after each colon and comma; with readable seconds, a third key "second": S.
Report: {"hour": 7, "minute": 46}
